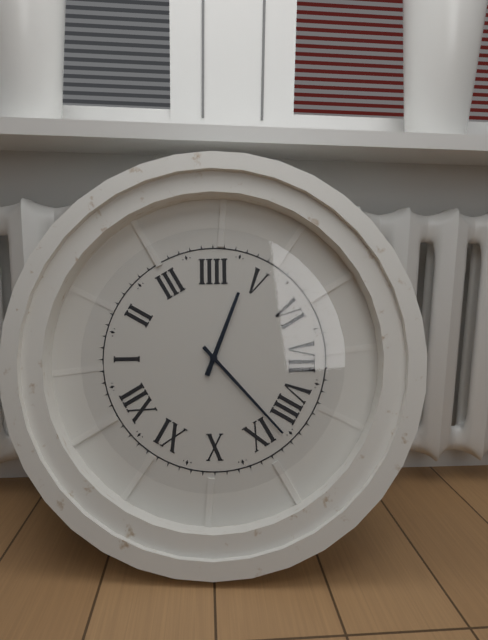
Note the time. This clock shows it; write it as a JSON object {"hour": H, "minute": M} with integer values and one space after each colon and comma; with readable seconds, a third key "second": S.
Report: {"hour": 4, "minute": 43}
